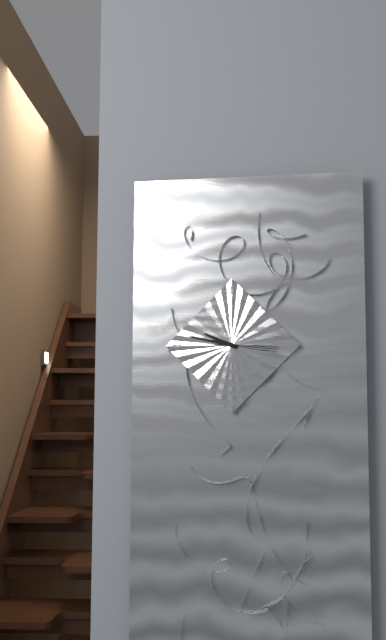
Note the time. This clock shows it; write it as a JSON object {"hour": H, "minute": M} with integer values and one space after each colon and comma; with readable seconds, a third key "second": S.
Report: {"hour": 9, "minute": 47, "second": 16}
